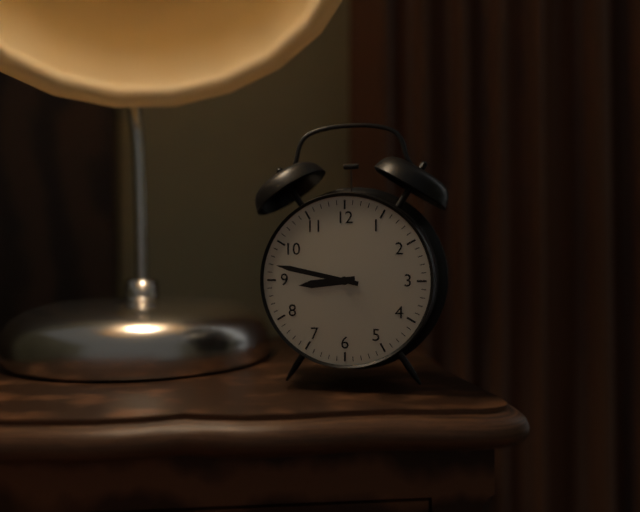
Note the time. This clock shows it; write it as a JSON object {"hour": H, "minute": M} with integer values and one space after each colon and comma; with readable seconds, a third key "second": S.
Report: {"hour": 8, "minute": 47}
